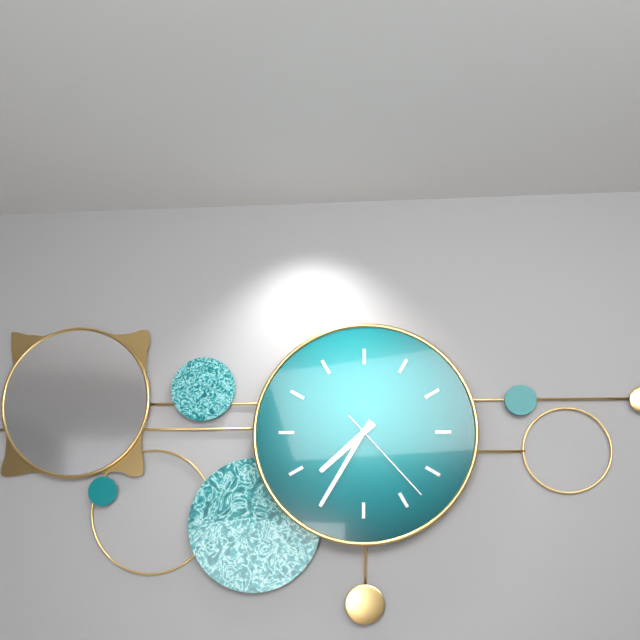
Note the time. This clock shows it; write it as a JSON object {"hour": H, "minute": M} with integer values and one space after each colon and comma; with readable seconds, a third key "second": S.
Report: {"hour": 7, "minute": 35, "second": 23}
